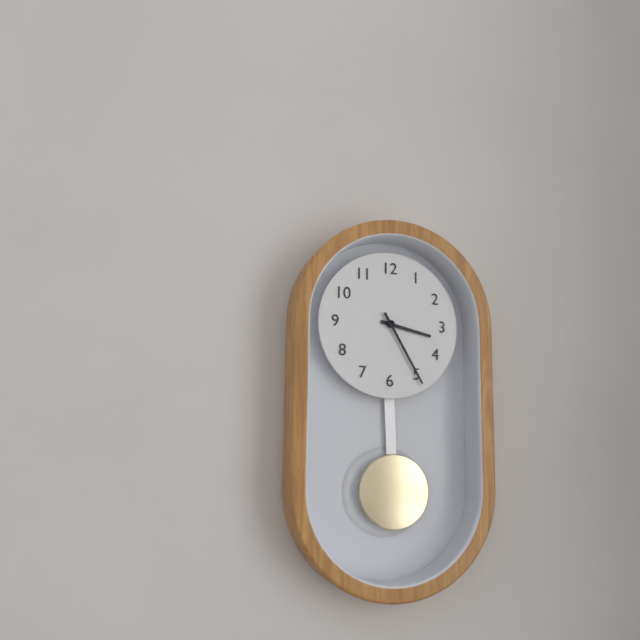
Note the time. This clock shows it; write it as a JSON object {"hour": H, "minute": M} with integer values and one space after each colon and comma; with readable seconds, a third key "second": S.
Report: {"hour": 3, "minute": 25}
